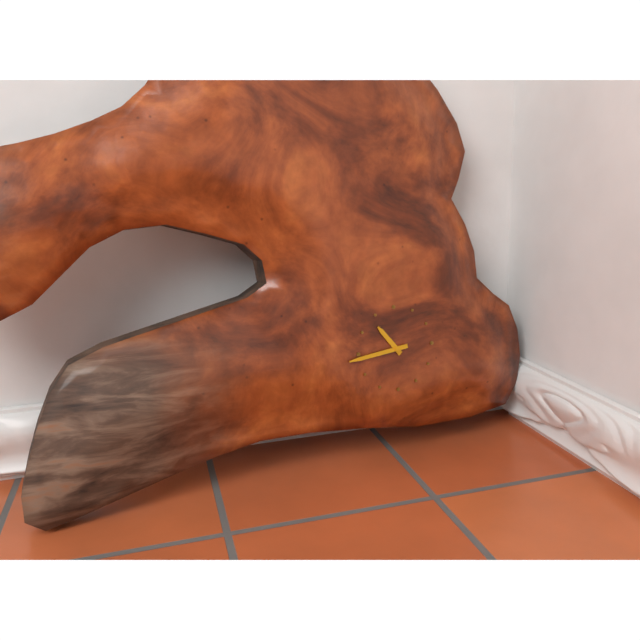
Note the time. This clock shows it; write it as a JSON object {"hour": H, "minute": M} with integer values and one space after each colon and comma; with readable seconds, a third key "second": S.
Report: {"hour": 10, "minute": 44}
